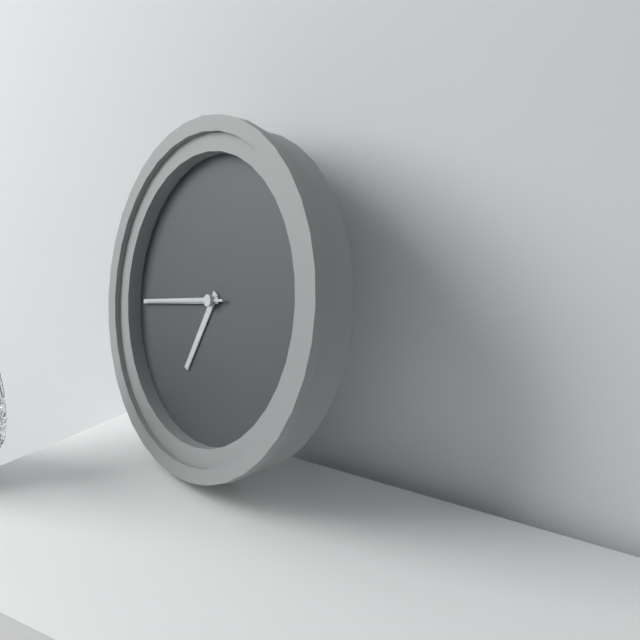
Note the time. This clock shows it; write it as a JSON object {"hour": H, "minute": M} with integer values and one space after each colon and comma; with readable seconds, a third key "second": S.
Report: {"hour": 6, "minute": 43, "second": 43}
